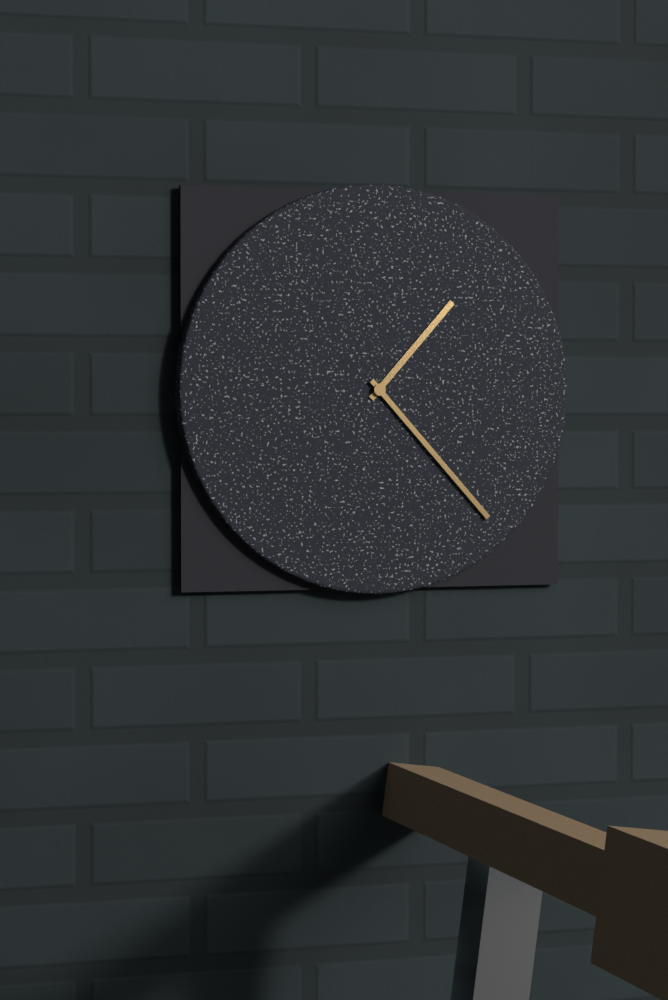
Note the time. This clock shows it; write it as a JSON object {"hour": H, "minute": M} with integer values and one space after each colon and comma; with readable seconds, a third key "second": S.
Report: {"hour": 1, "minute": 23}
